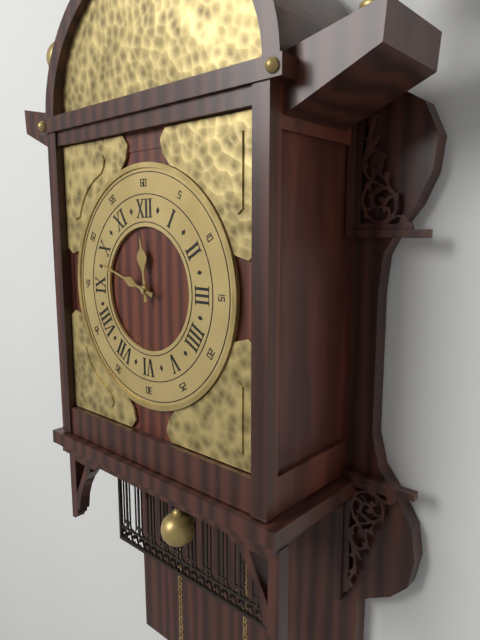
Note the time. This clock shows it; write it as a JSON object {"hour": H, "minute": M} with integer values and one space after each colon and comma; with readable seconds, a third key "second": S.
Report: {"hour": 11, "minute": 48}
